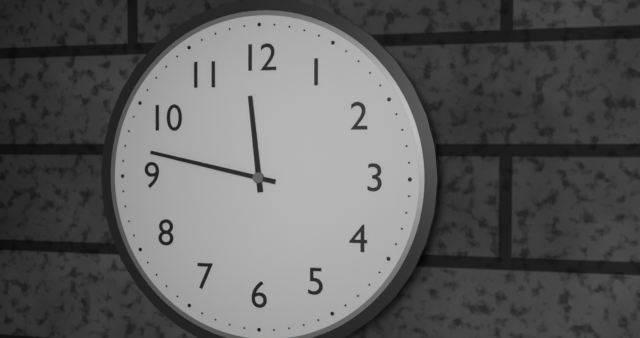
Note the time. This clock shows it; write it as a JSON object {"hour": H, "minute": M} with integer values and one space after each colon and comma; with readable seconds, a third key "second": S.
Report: {"hour": 11, "minute": 47}
